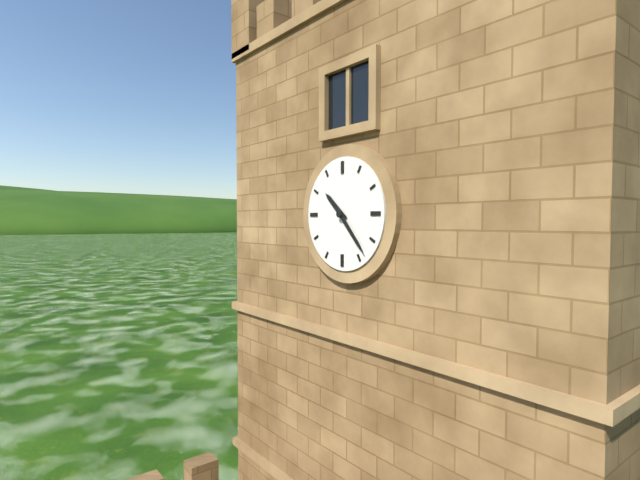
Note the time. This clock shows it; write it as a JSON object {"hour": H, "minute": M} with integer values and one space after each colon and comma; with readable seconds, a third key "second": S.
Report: {"hour": 10, "minute": 23}
